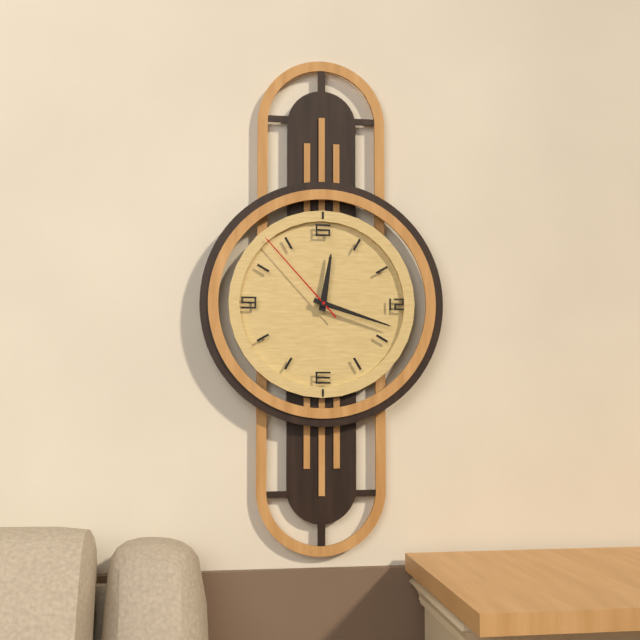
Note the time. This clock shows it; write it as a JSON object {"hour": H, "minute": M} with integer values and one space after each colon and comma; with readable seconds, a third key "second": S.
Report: {"hour": 12, "minute": 18, "second": 53}
